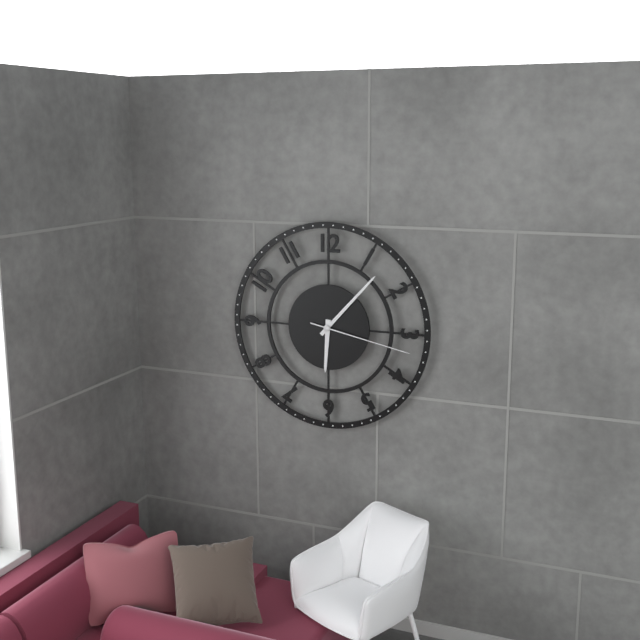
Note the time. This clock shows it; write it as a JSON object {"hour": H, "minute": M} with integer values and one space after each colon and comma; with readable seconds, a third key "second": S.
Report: {"hour": 6, "minute": 7, "second": 17}
